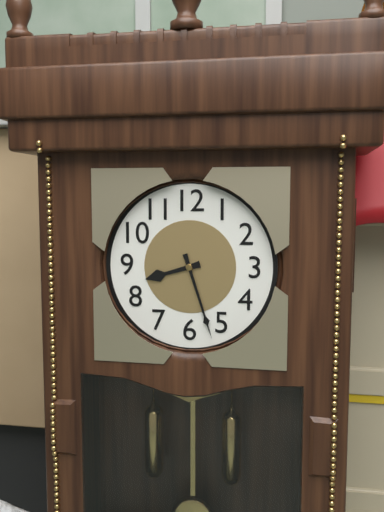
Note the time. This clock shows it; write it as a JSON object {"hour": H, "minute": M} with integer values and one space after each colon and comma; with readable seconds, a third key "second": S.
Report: {"hour": 8, "minute": 27}
